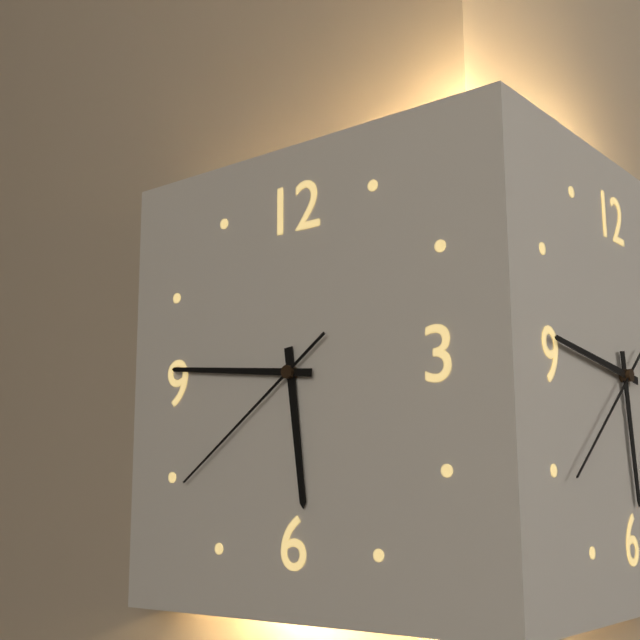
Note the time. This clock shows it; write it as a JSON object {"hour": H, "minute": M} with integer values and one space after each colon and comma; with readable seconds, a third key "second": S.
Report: {"hour": 5, "minute": 46, "second": 39}
